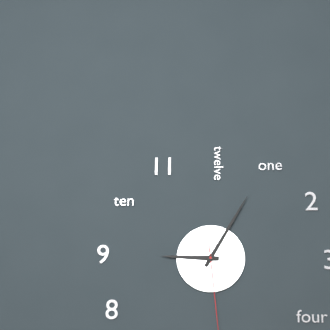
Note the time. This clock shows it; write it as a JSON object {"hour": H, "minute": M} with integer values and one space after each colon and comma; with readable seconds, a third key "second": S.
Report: {"hour": 9, "minute": 5}
